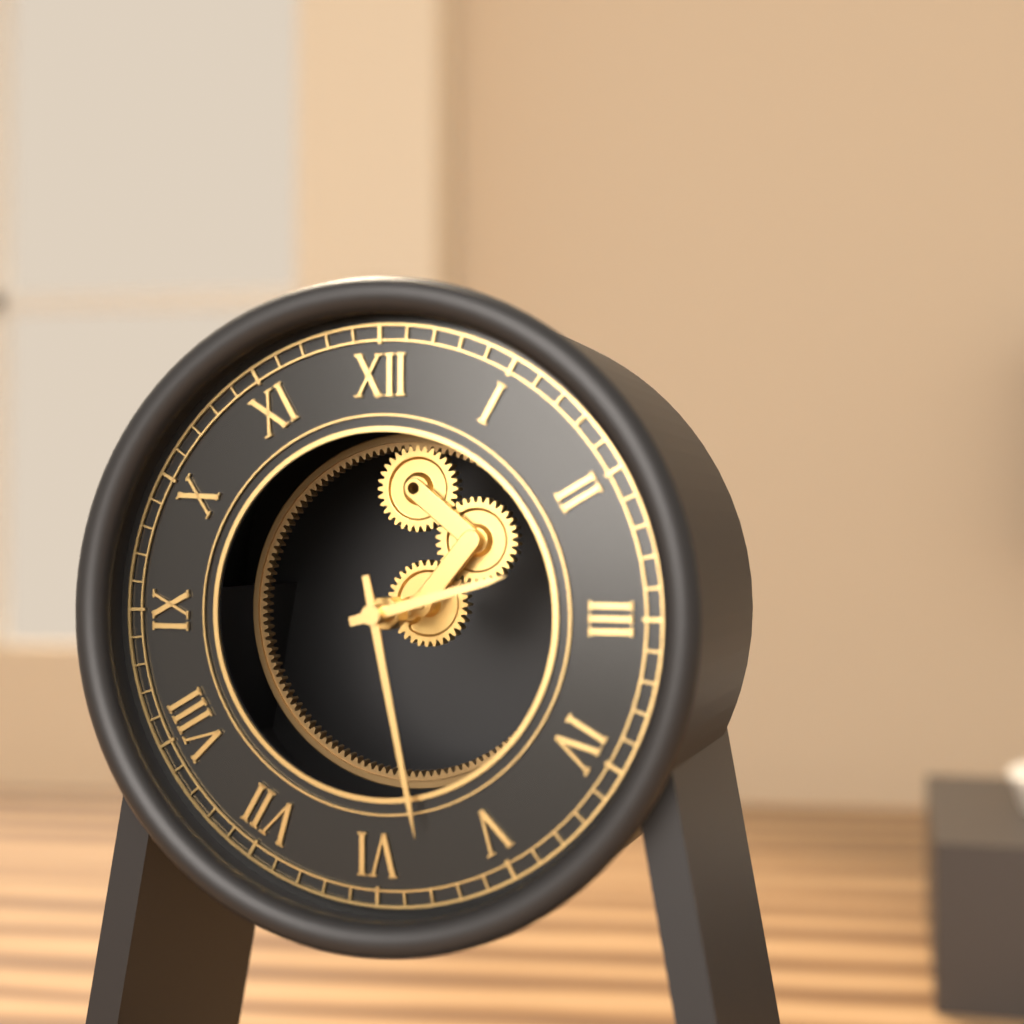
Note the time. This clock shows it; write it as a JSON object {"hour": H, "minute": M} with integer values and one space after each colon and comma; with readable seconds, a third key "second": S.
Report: {"hour": 2, "minute": 28}
